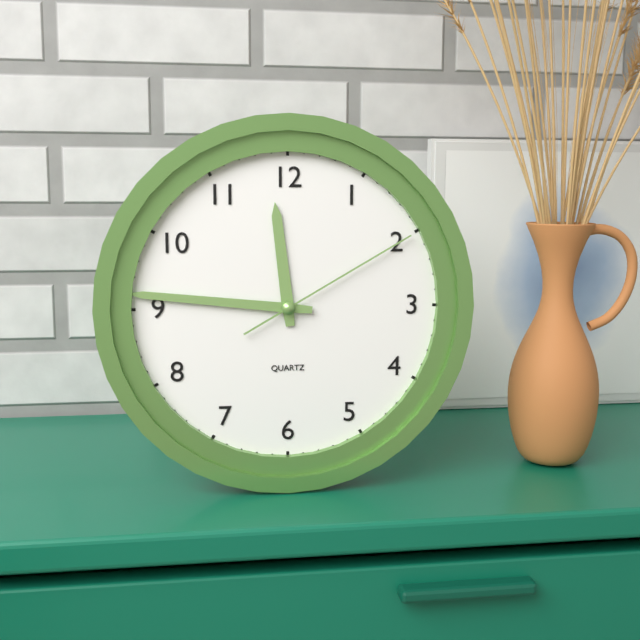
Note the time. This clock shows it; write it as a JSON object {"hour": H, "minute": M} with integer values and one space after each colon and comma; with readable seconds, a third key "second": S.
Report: {"hour": 11, "minute": 46, "second": 10}
